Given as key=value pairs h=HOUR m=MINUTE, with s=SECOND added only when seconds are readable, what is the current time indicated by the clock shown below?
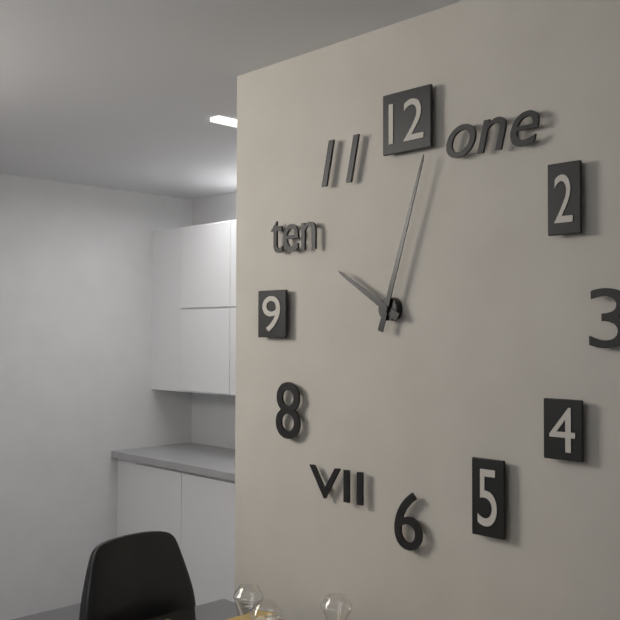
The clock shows h=10 m=3
